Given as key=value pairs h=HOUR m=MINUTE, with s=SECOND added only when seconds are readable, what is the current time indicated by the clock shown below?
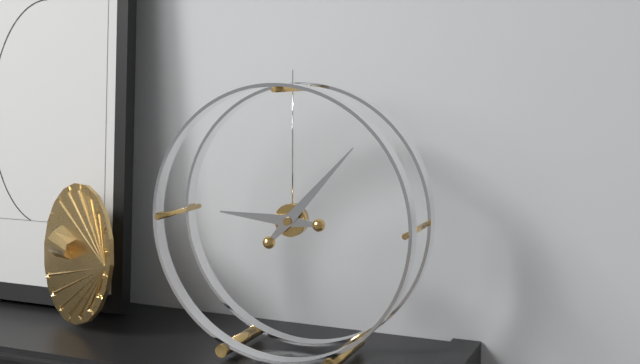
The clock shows h=9 m=7
